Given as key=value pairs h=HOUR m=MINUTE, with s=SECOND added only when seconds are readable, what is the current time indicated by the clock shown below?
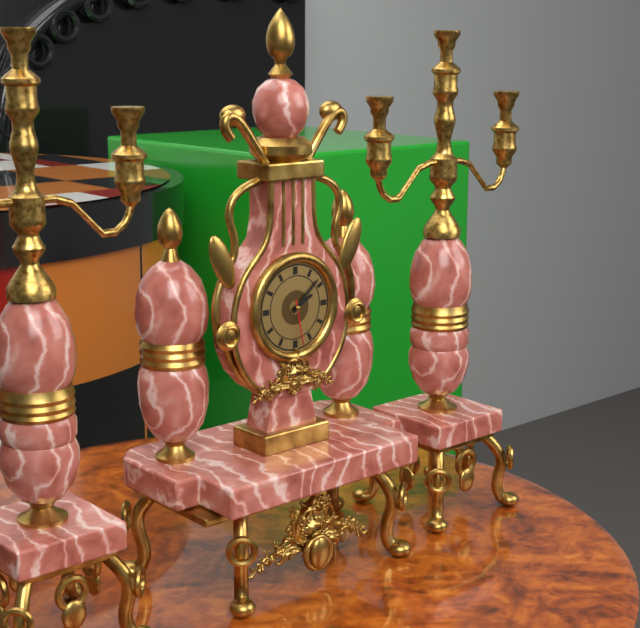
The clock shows h=2 m=8
